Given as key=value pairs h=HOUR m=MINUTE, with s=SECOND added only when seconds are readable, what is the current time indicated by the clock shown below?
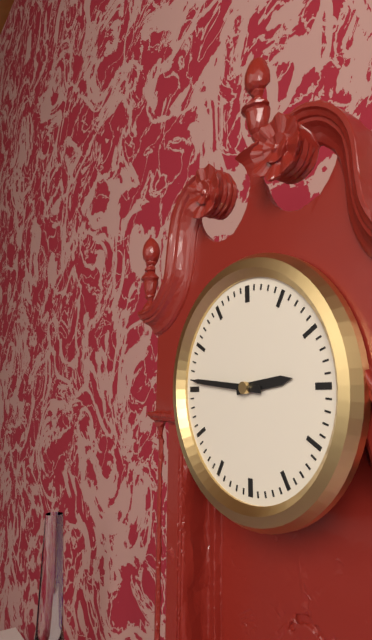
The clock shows h=2 m=46
